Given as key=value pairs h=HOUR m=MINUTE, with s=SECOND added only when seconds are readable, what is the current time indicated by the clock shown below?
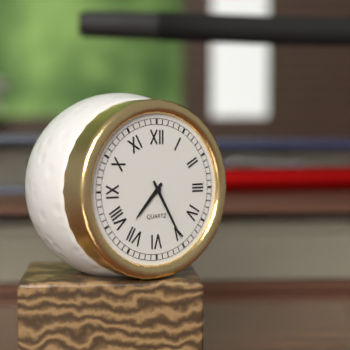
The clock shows h=7 m=25
